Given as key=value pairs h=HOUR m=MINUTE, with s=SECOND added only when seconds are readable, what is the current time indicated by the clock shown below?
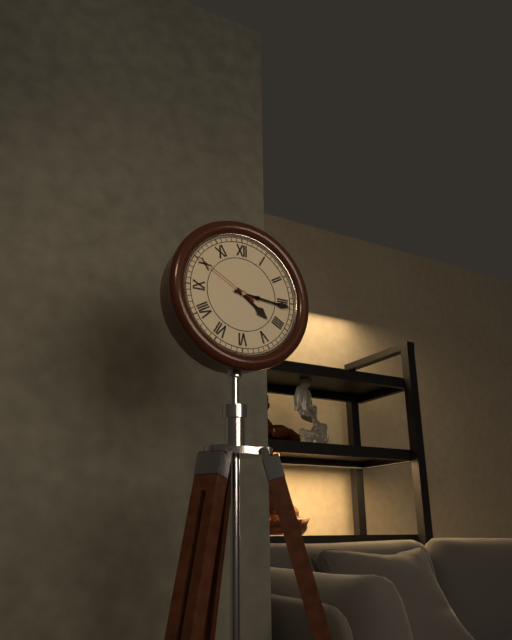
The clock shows h=4 m=16 s=50
